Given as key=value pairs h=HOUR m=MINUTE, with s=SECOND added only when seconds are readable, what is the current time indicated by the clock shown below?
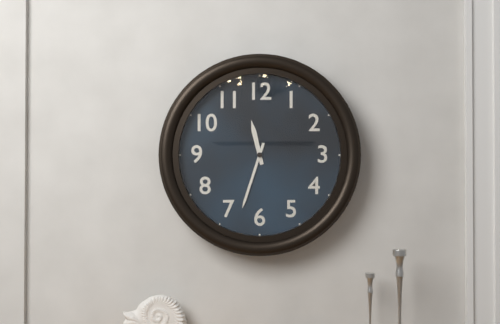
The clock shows h=11 m=33
